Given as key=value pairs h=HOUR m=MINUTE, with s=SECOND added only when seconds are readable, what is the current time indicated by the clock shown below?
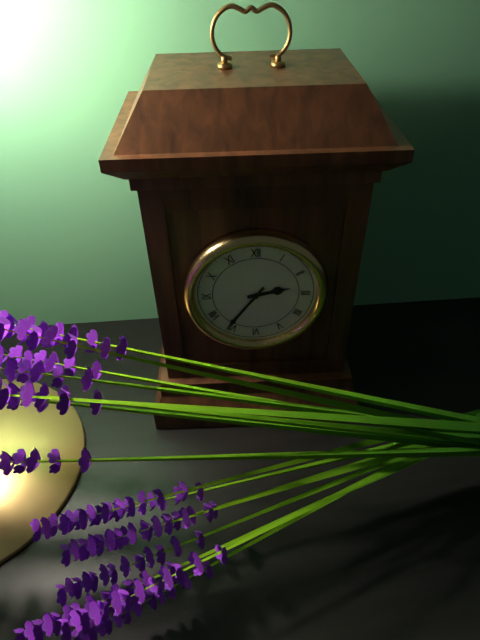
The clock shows h=2 m=36
